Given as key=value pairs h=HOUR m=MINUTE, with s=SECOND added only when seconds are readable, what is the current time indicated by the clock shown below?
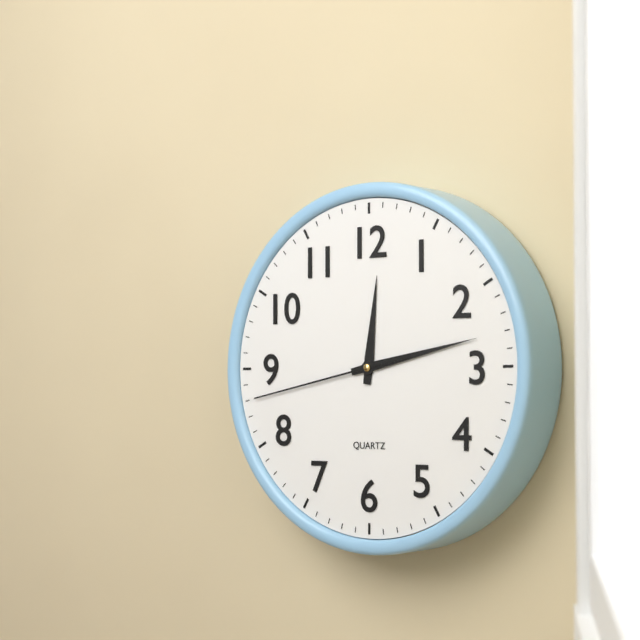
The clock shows h=12 m=13 s=43
